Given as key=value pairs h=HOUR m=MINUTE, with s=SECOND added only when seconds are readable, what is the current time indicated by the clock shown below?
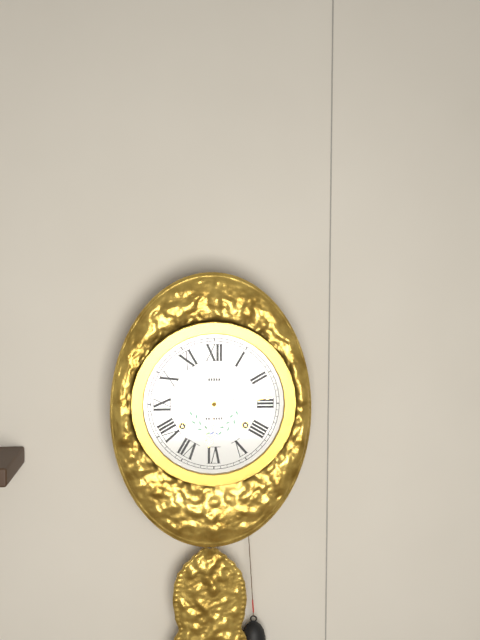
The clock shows h=6 m=14
